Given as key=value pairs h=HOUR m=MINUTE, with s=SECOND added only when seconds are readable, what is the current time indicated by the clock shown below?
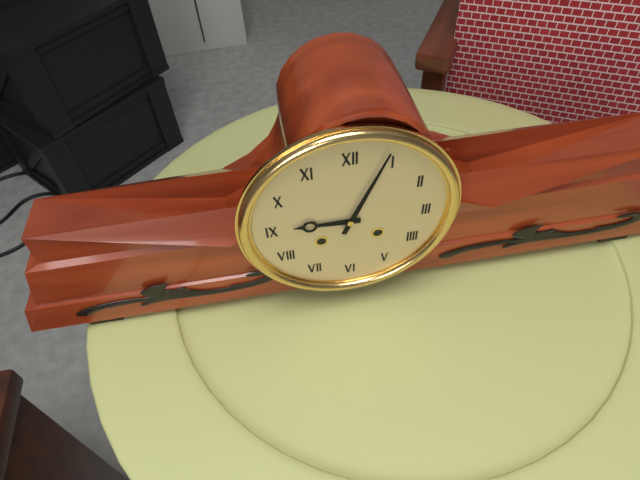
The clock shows h=9 m=4
